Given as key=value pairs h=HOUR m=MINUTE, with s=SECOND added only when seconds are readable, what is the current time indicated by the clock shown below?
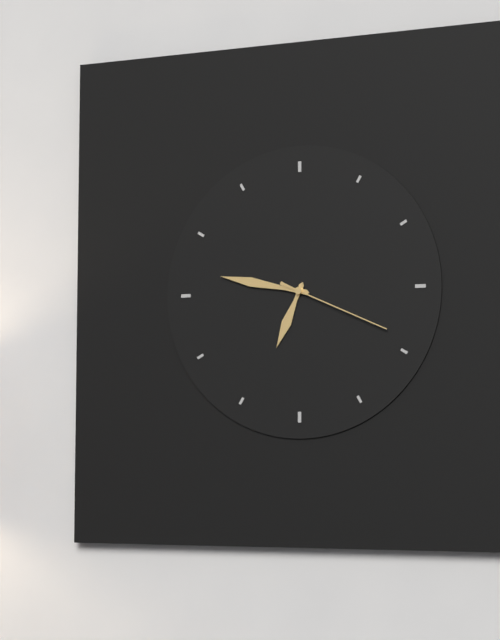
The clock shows h=6 m=47 s=19
